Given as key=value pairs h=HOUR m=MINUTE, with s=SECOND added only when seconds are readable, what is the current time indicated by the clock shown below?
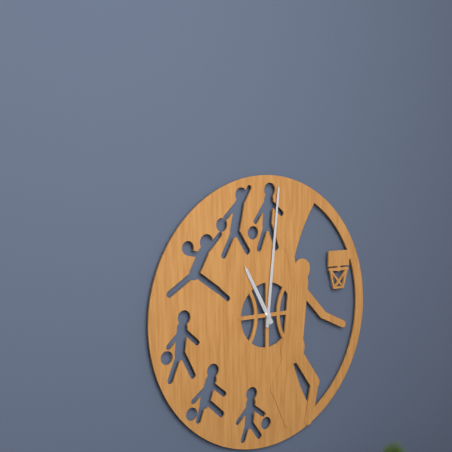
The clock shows h=11 m=1
